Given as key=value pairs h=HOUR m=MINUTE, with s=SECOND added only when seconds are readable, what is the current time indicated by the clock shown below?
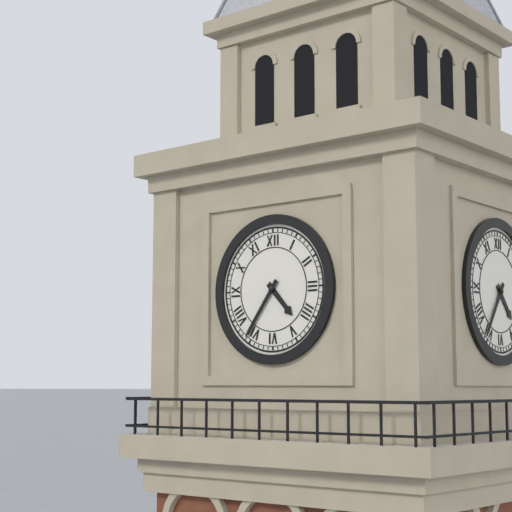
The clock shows h=4 m=36
